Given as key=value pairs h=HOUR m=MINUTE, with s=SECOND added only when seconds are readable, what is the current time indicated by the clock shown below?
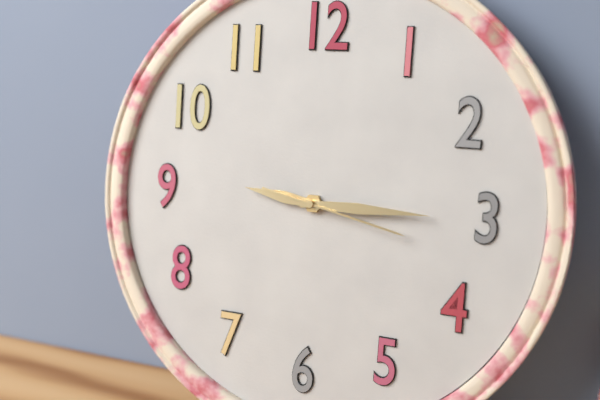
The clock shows h=9 m=15 s=17
